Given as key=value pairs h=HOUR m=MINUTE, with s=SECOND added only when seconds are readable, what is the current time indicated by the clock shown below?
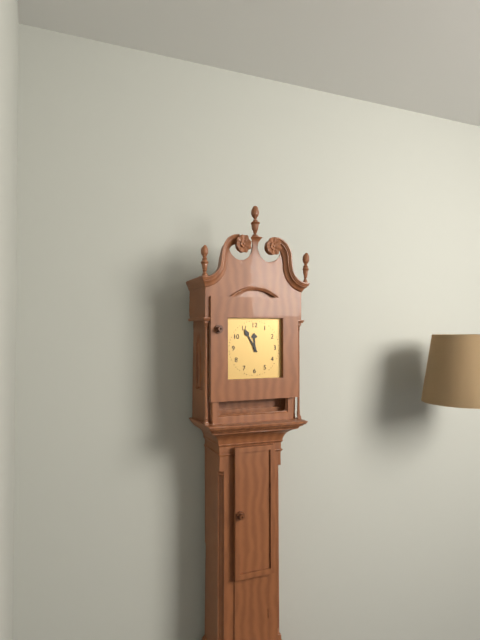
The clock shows h=11 m=55
